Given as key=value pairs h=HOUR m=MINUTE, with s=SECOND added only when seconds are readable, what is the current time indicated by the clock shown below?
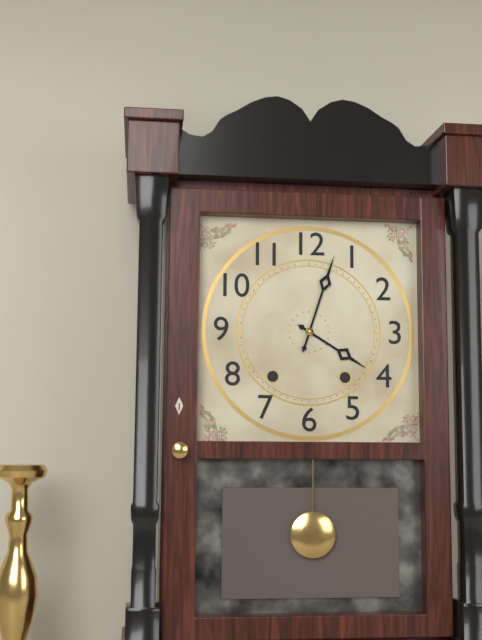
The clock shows h=4 m=3
